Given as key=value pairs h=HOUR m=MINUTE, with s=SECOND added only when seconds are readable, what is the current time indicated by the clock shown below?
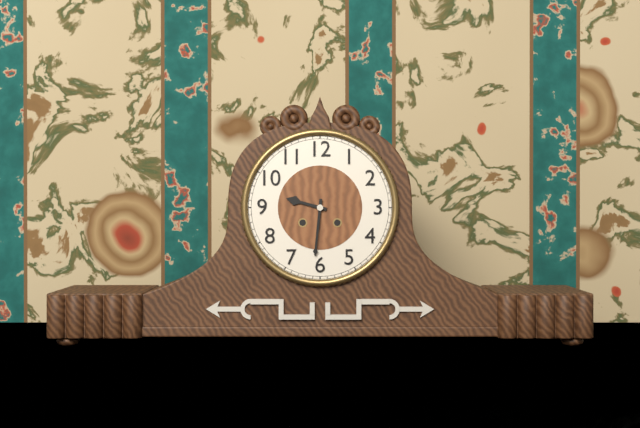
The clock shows h=9 m=31
